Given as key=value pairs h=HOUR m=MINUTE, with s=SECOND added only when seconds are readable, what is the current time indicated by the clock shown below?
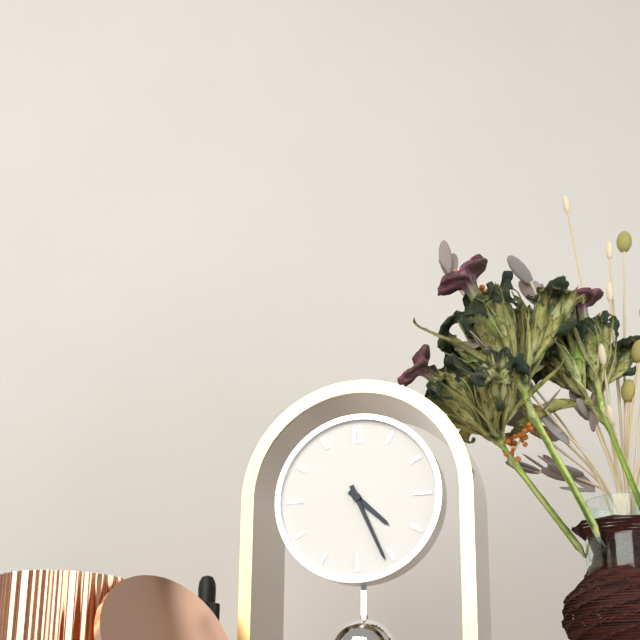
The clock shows h=4 m=26
